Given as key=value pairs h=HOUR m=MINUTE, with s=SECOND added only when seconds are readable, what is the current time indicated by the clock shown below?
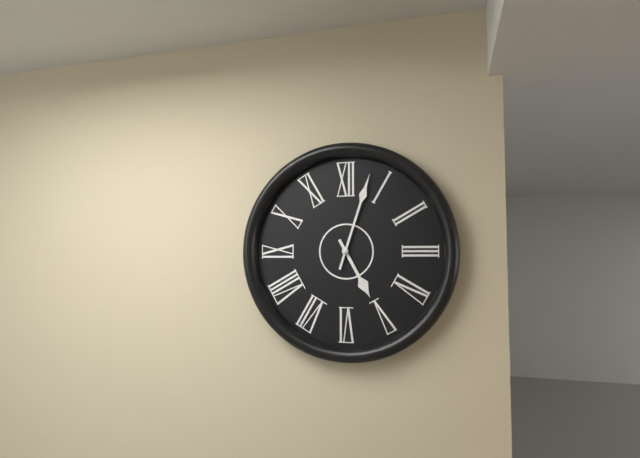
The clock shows h=5 m=3
